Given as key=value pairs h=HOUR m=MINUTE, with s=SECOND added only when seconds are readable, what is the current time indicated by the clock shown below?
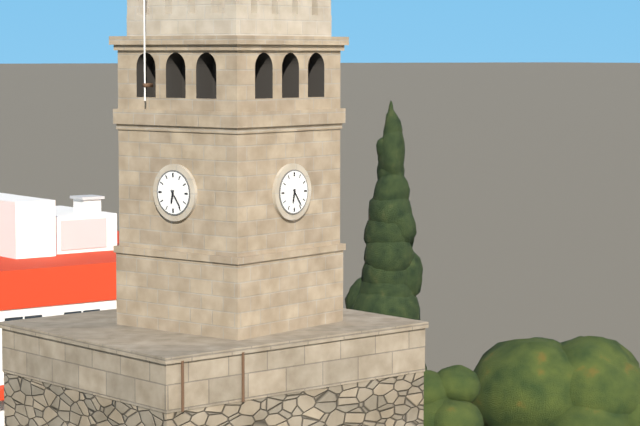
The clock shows h=6 m=24
